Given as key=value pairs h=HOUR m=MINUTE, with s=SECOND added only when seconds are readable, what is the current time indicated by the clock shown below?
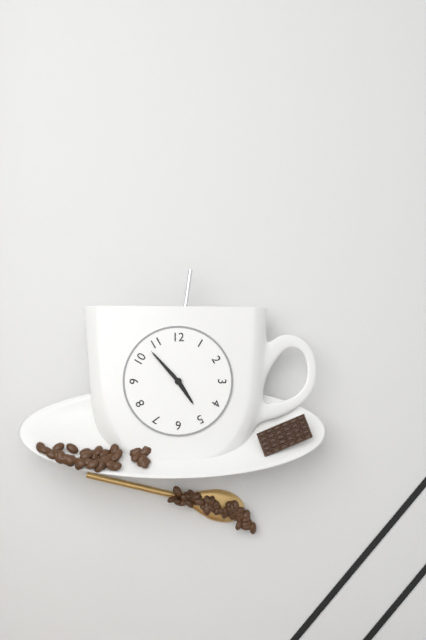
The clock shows h=4 m=53
